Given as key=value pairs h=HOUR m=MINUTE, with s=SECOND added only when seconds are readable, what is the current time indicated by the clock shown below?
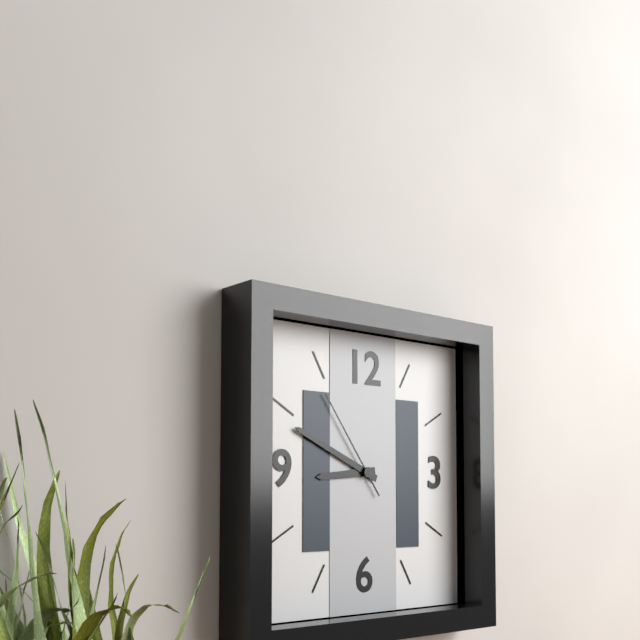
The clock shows h=8 m=49 s=54
